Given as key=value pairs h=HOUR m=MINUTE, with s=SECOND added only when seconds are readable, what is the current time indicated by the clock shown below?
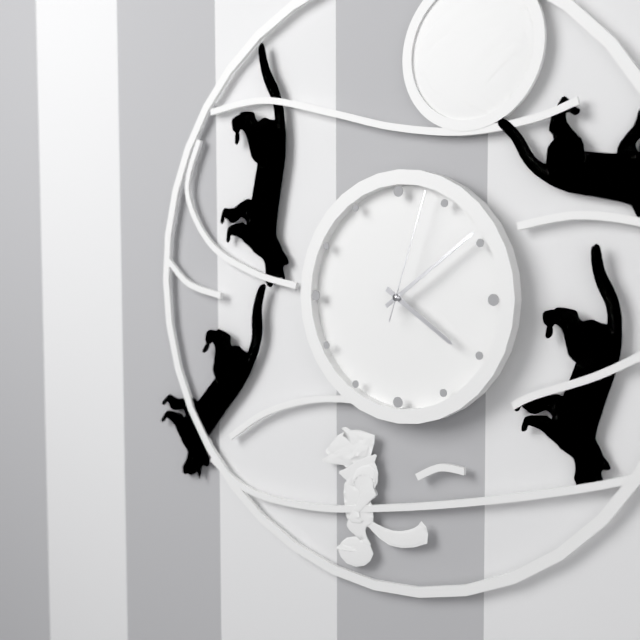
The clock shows h=4 m=9 s=3
